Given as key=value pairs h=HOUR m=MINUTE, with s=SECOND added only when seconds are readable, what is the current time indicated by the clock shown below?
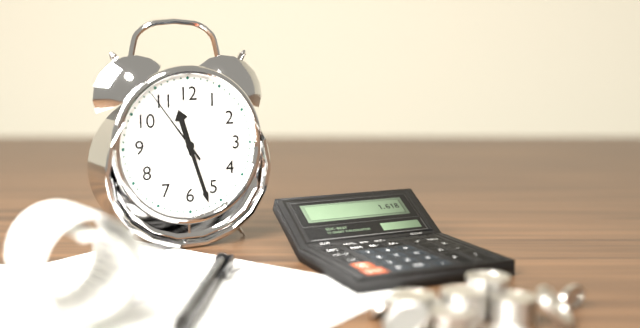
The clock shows h=11 m=27 s=54
